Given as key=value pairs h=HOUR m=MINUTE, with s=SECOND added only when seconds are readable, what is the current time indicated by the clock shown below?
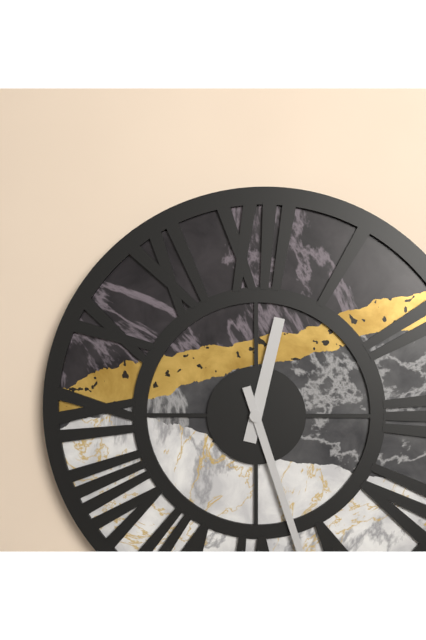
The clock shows h=12 m=27
